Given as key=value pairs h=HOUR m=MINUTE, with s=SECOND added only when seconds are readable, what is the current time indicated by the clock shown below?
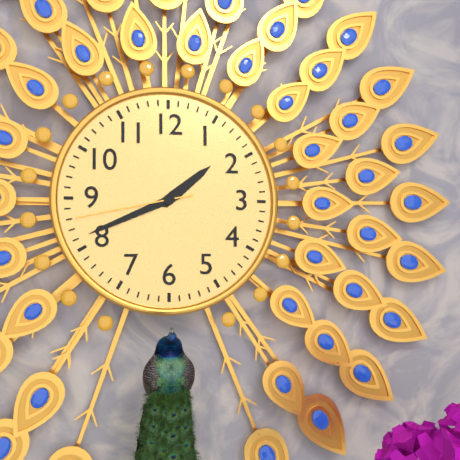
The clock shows h=1 m=41 s=43
